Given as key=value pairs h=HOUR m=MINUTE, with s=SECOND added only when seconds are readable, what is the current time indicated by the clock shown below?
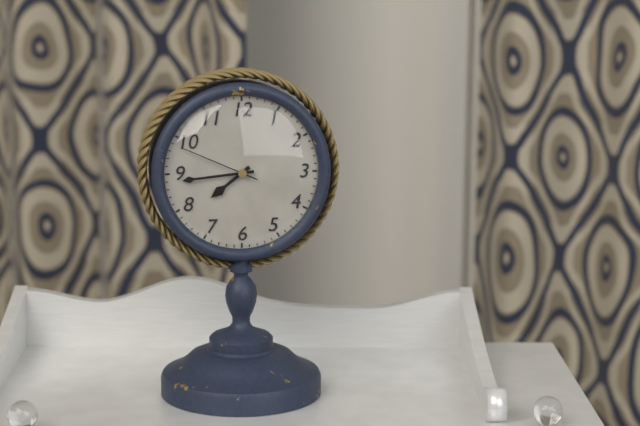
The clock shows h=7 m=44 s=49
